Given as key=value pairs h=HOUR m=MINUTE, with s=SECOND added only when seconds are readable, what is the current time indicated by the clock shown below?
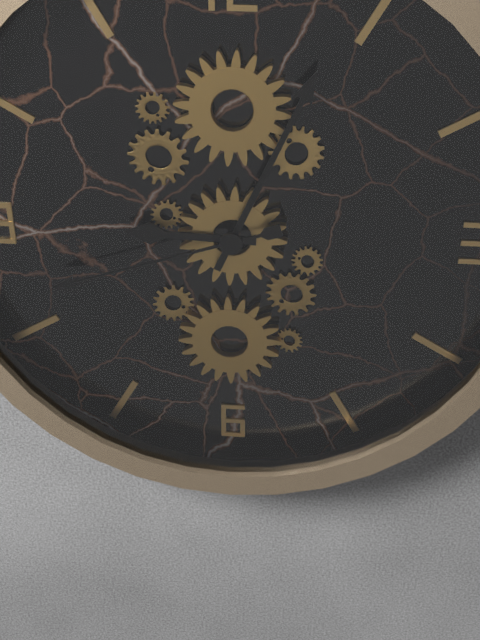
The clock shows h=9 m=4 s=42
